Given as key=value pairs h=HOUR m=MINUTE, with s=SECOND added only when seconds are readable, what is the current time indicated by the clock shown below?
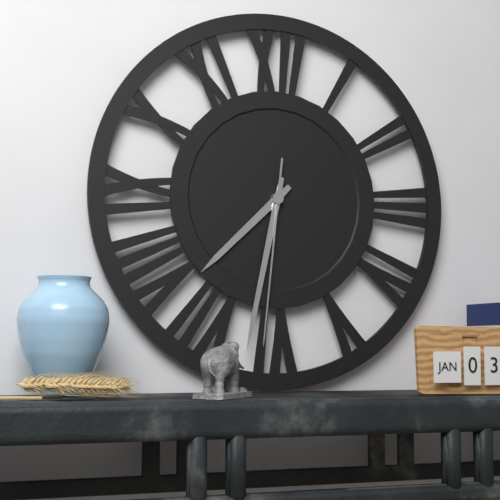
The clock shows h=7 m=32 s=31
